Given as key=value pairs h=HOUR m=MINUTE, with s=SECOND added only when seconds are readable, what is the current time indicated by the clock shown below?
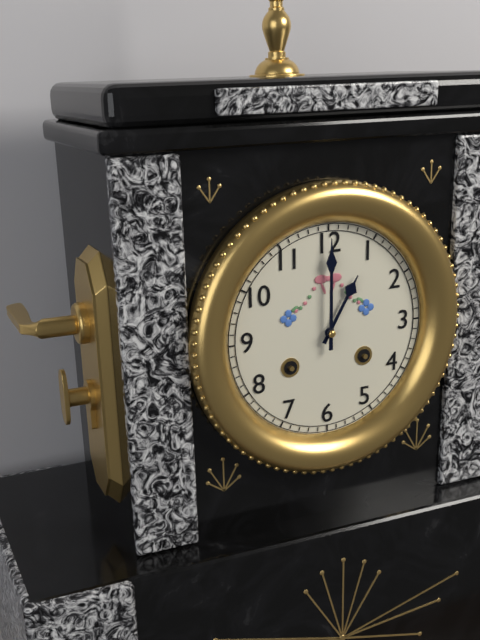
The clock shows h=1 m=0
